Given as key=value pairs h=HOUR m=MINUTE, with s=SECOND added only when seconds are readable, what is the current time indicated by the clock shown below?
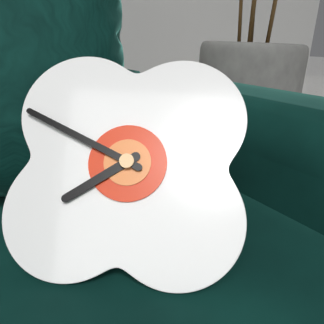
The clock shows h=7 m=49
